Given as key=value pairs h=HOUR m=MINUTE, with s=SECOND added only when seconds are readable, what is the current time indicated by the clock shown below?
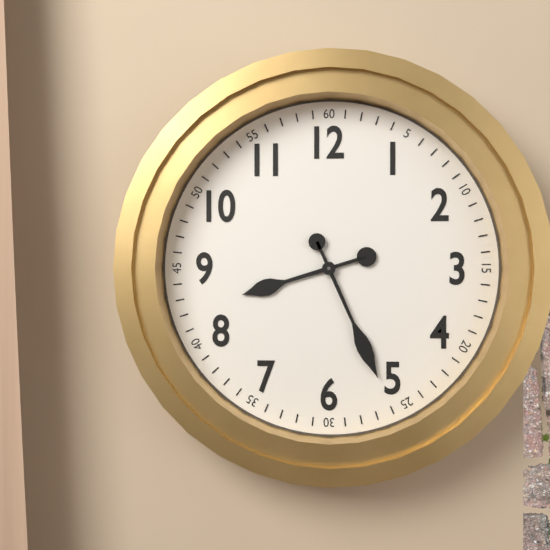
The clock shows h=8 m=26
